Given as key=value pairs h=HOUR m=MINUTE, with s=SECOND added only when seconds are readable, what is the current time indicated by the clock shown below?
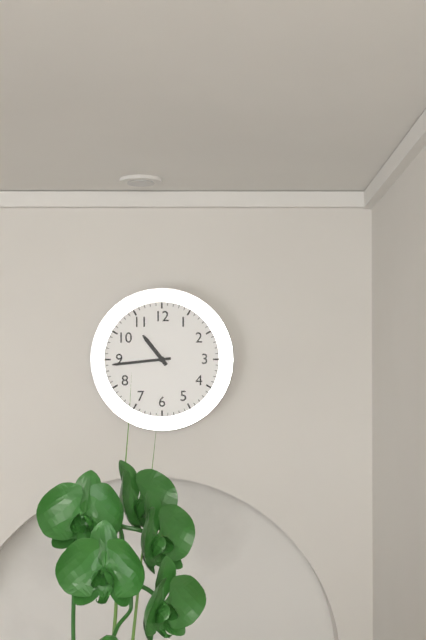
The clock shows h=10 m=44
